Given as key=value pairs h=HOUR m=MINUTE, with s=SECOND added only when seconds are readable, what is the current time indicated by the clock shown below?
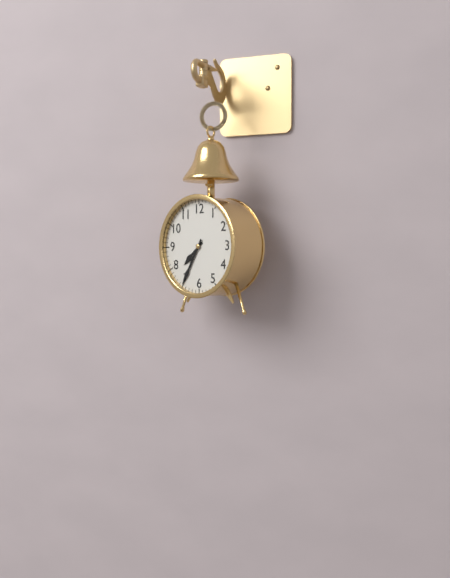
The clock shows h=7 m=35
